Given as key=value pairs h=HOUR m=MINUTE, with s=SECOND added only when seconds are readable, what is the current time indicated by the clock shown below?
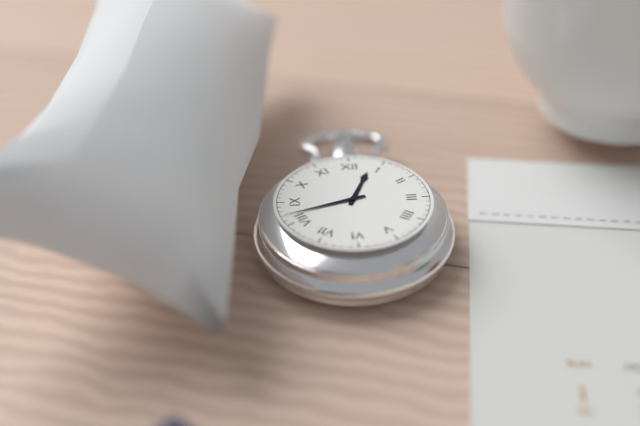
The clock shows h=12 m=42
